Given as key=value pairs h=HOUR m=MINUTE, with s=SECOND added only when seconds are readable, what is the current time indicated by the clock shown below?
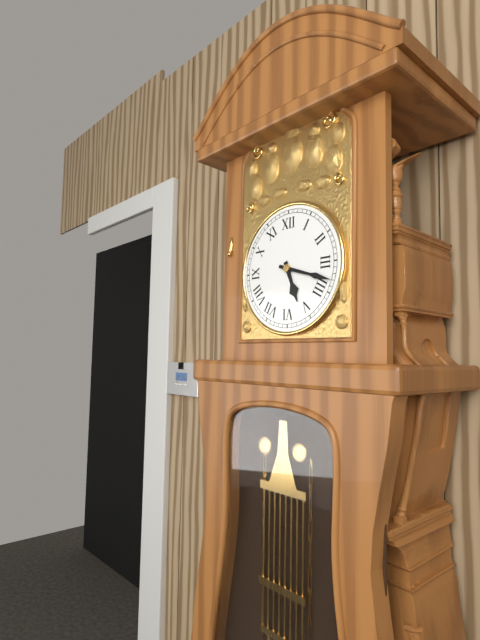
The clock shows h=5 m=18
